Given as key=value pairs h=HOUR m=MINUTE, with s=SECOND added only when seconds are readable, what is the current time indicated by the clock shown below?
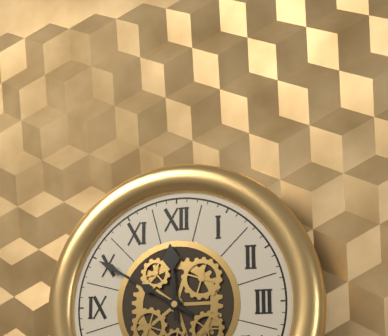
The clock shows h=11 m=50
